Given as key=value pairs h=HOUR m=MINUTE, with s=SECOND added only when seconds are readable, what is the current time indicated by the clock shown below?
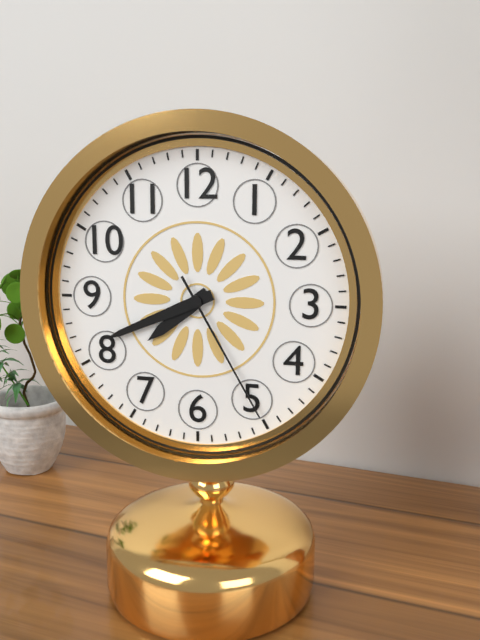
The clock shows h=7 m=41 s=25
